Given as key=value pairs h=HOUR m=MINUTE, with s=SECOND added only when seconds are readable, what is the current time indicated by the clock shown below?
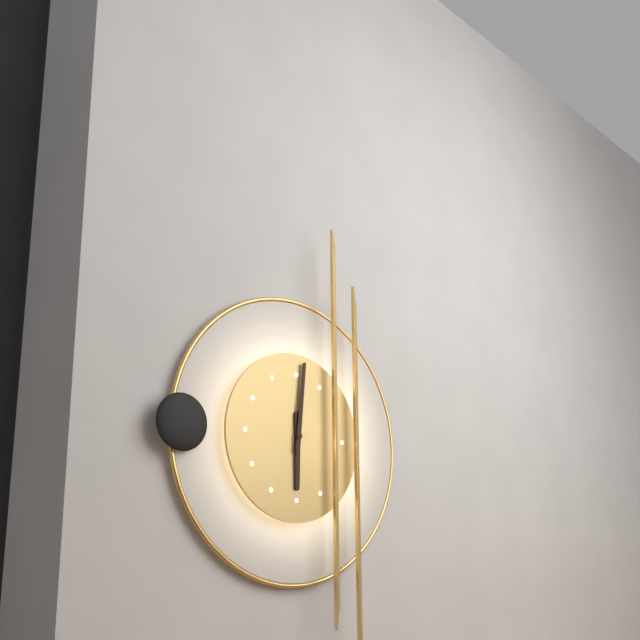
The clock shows h=6 m=1
